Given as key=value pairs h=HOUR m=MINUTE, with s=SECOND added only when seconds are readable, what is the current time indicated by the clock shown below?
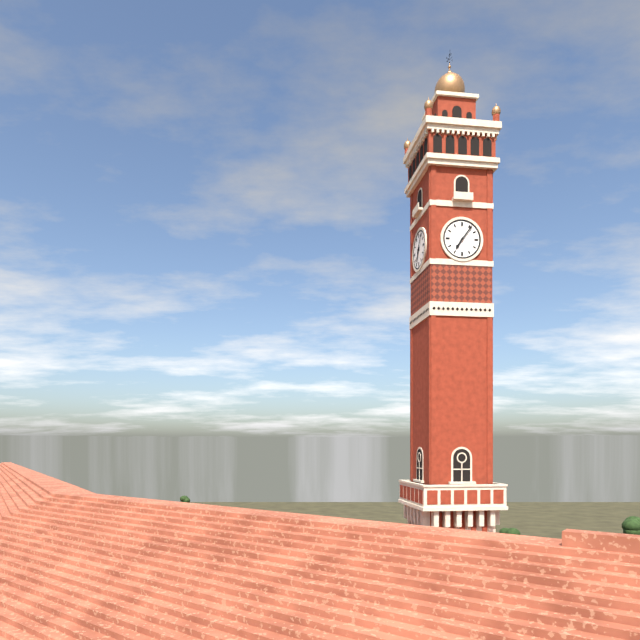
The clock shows h=7 m=6
